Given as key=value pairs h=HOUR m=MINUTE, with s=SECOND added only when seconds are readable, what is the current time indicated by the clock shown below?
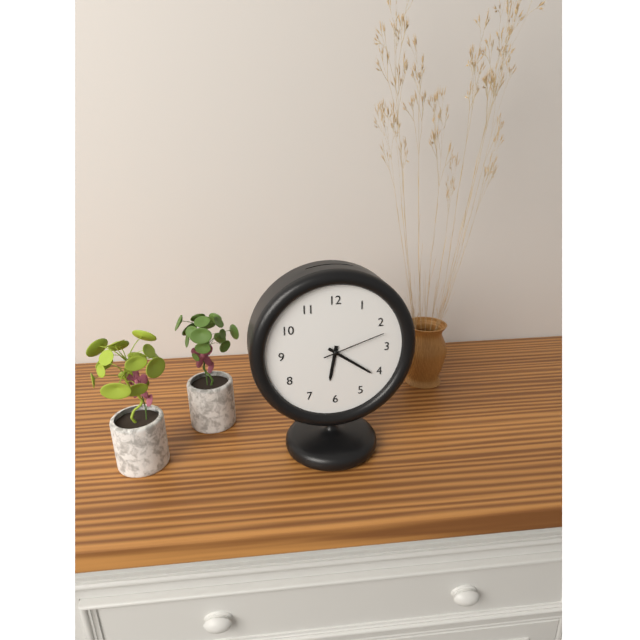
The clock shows h=6 m=21 s=12
